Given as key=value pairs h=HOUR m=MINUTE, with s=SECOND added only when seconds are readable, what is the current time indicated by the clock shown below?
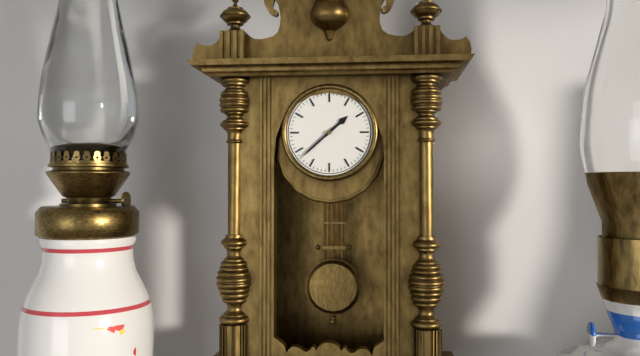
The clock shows h=1 m=38
